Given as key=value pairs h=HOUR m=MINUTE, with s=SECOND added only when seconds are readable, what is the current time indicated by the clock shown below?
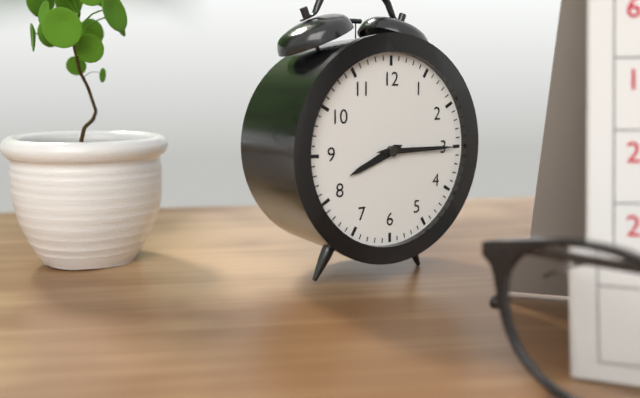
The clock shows h=8 m=15
